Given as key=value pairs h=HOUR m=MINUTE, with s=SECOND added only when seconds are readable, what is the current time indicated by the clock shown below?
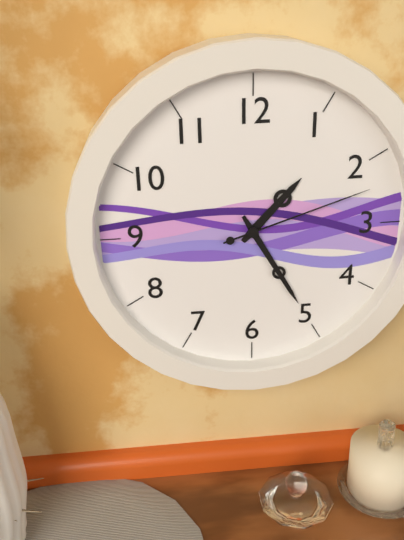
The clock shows h=1 m=25 s=12
